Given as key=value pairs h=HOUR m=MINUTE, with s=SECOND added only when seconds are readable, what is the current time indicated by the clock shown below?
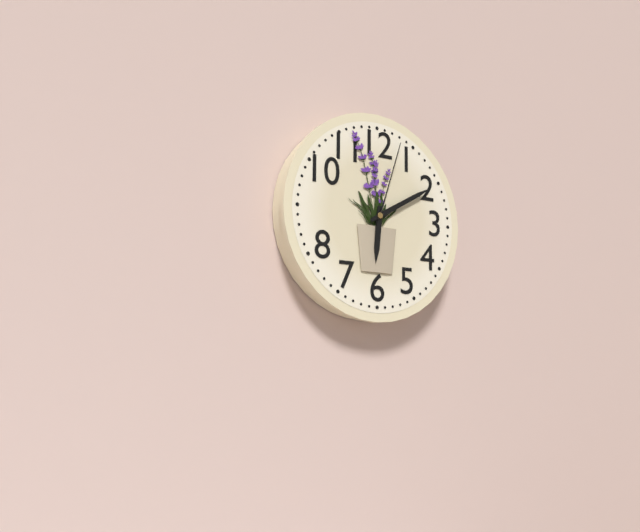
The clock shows h=6 m=10 s=3
